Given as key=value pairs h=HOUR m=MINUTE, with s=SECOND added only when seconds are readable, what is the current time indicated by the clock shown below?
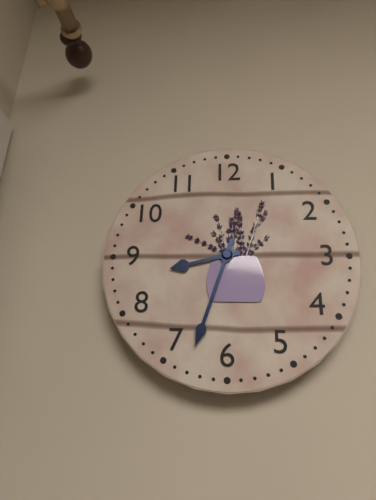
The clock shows h=8 m=33
